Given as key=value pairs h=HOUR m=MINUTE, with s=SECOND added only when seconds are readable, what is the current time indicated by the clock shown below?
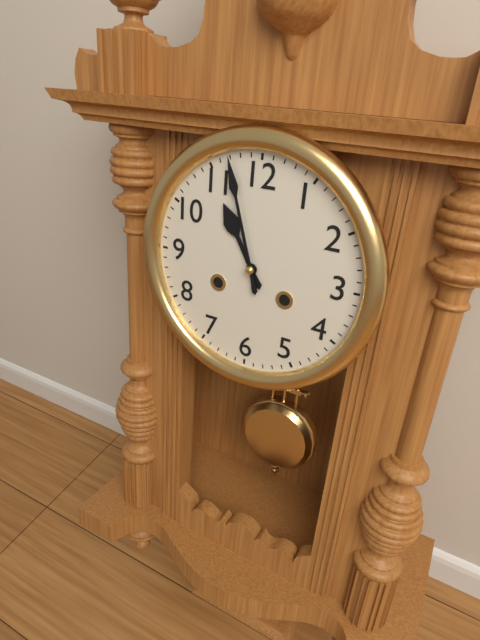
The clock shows h=10 m=57
